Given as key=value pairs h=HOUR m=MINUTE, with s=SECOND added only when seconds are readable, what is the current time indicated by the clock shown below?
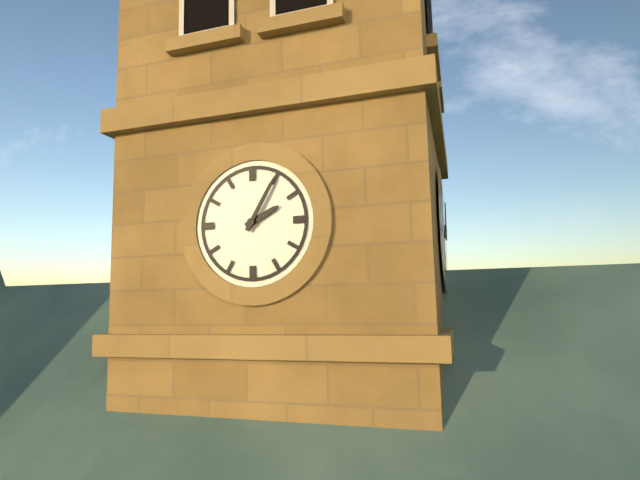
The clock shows h=2 m=5
